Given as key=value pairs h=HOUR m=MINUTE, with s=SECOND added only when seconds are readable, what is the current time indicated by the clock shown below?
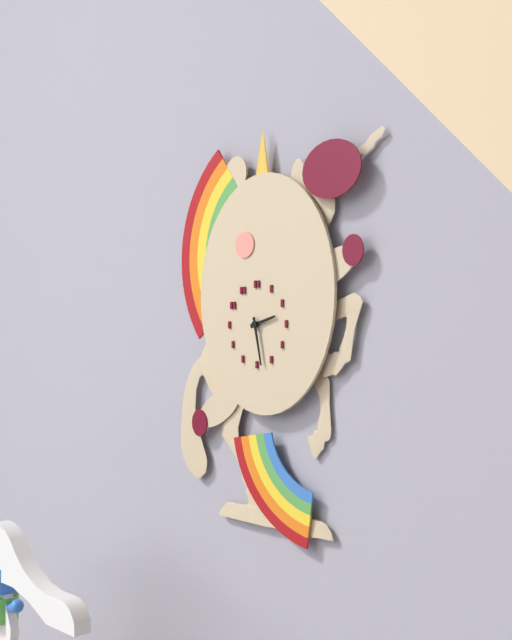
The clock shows h=2 m=28
